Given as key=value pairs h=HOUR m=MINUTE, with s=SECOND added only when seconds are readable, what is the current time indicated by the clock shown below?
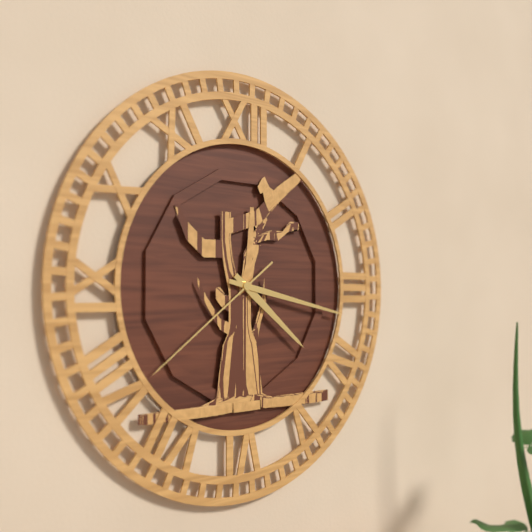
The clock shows h=4 m=17 s=39
